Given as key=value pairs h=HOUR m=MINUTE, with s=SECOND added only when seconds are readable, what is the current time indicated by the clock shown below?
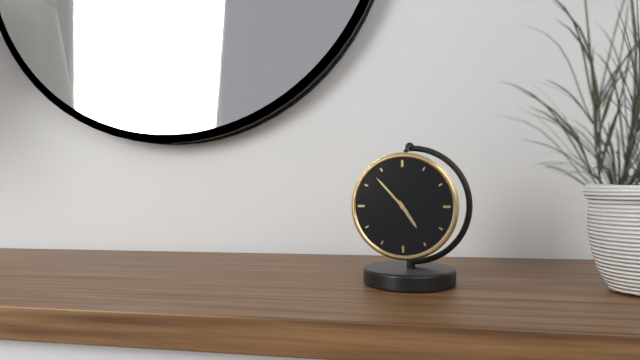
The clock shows h=4 m=53
